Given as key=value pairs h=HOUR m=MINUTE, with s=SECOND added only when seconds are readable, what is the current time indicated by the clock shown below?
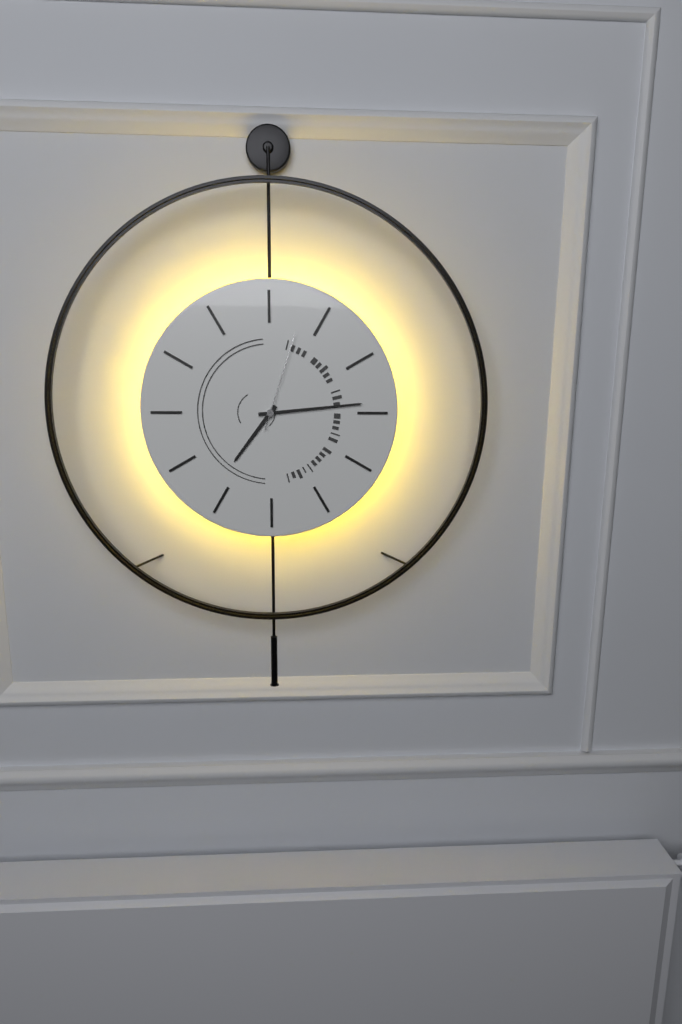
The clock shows h=7 m=14 s=3
